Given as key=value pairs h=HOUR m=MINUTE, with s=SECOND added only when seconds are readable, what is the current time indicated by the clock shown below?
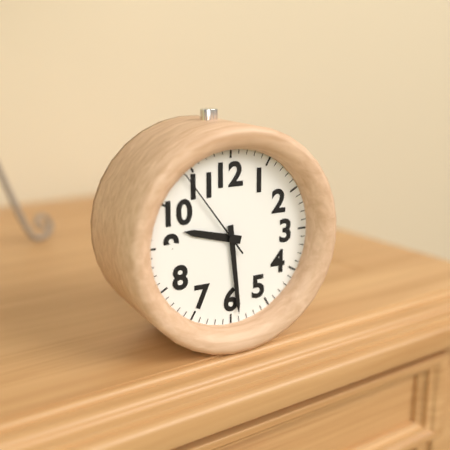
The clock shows h=9 m=29 s=54
